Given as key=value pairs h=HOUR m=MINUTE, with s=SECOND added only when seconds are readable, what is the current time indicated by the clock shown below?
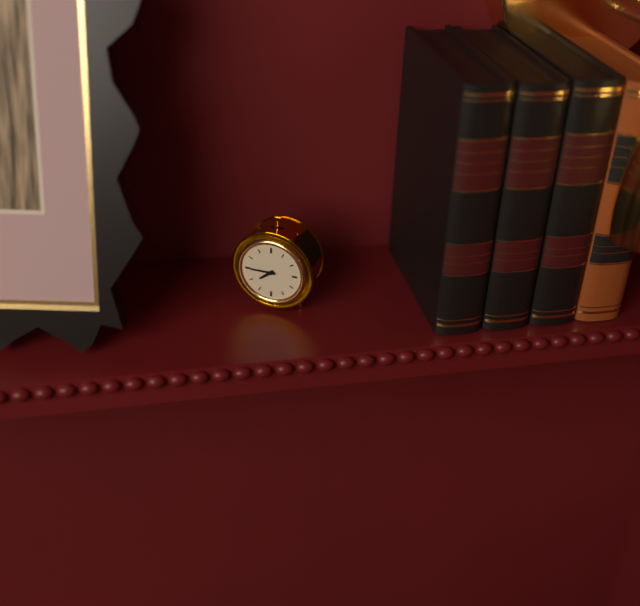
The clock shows h=7 m=45
